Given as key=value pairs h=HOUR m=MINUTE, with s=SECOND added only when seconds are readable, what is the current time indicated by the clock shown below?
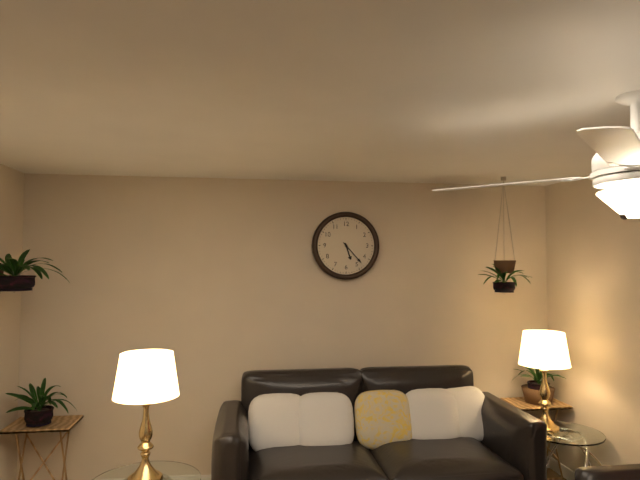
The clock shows h=5 m=23
